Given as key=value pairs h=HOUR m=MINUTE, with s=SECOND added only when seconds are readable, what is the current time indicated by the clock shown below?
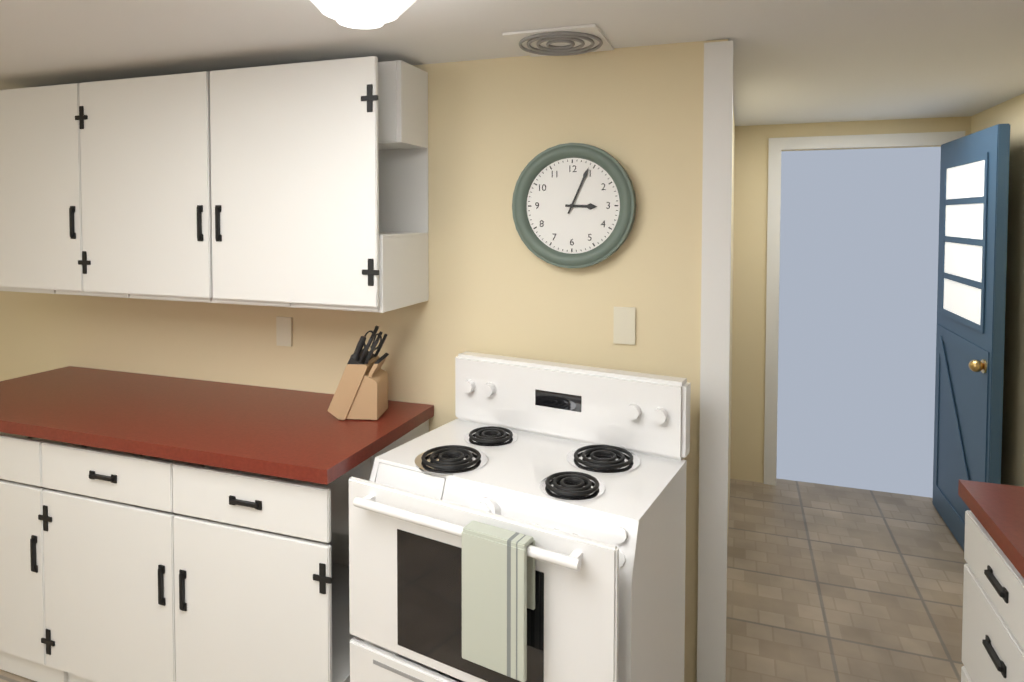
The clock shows h=3 m=4
